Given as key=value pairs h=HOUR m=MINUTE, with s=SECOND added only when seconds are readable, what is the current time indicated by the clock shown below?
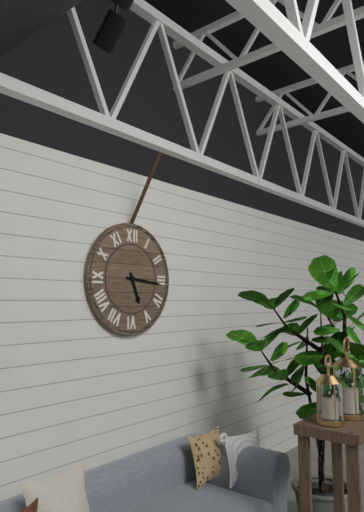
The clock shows h=5 m=16
